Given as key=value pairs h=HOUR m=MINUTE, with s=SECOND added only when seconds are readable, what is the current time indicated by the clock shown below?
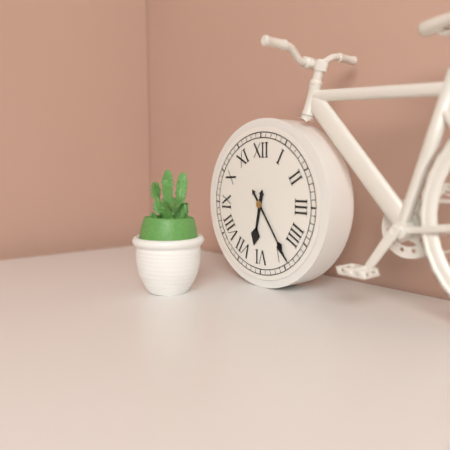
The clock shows h=6 m=24
